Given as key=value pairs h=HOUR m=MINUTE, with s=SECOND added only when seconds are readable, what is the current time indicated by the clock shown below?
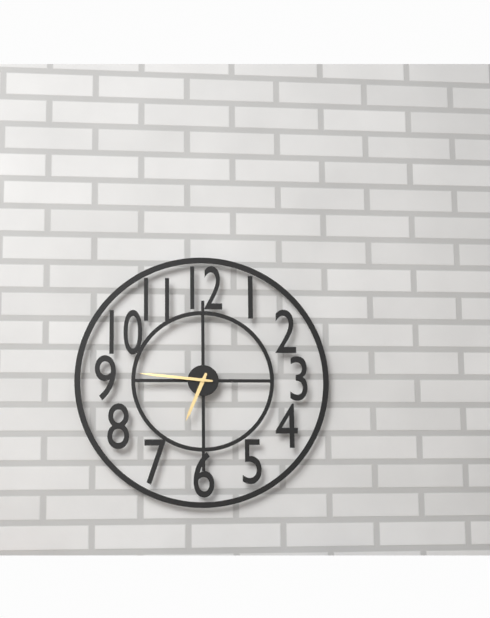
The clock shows h=6 m=46
